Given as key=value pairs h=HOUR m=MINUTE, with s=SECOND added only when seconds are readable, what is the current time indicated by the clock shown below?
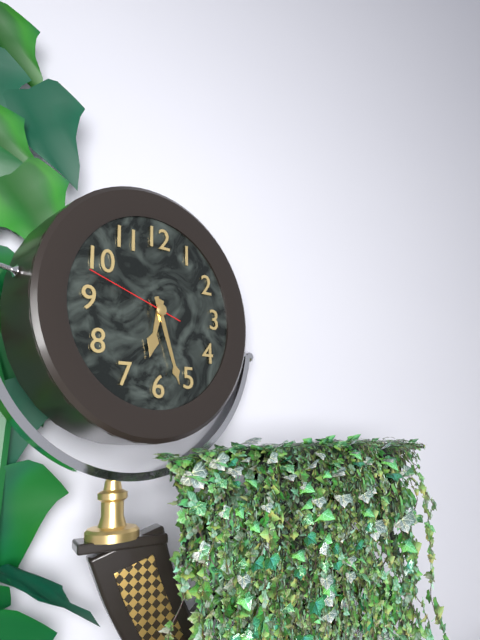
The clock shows h=6 m=27 s=48
